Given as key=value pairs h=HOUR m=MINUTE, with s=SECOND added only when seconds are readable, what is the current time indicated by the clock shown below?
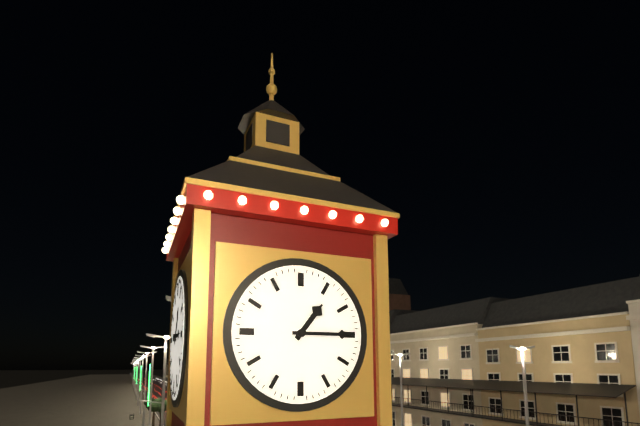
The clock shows h=1 m=15
